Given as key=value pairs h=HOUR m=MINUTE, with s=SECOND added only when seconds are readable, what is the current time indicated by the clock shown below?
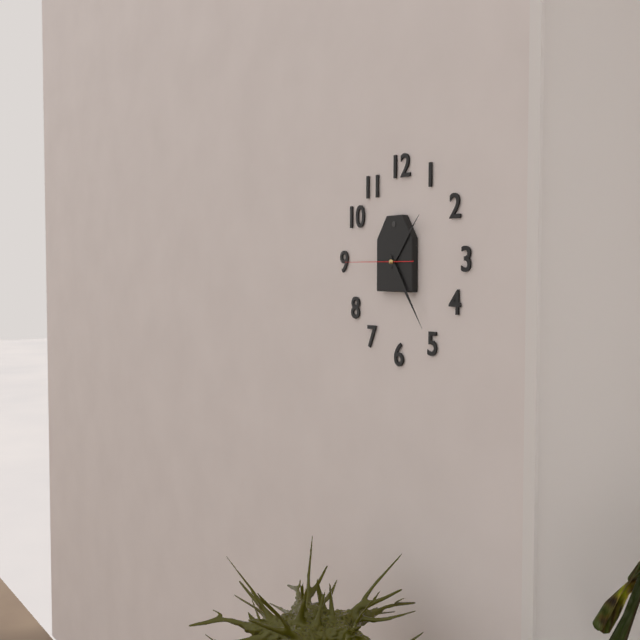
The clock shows h=1 m=24 s=45
